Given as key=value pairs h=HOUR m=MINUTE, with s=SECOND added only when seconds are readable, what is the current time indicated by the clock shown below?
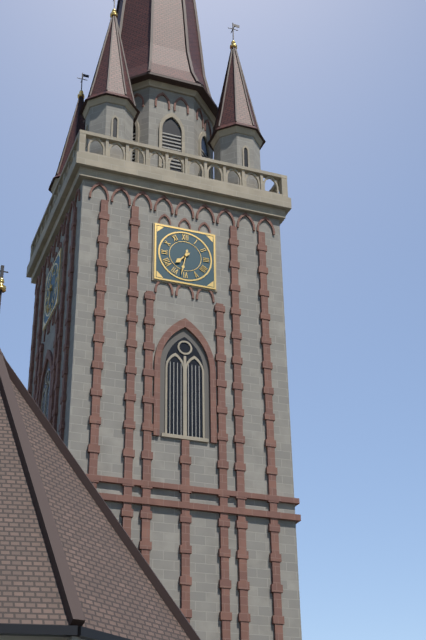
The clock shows h=7 m=32
